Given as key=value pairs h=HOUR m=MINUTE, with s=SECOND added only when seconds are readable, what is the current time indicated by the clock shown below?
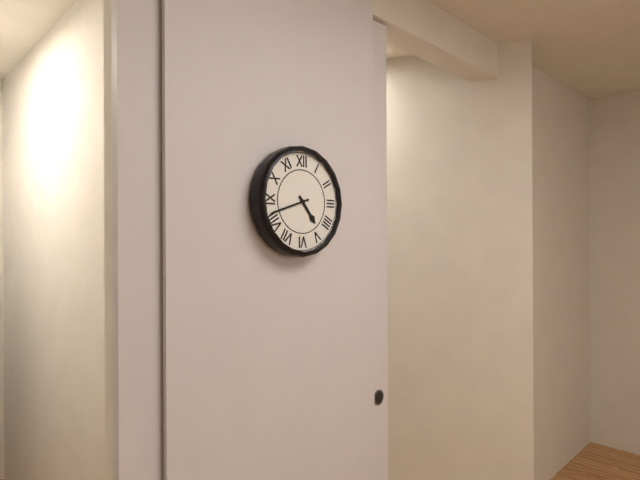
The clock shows h=4 m=42
